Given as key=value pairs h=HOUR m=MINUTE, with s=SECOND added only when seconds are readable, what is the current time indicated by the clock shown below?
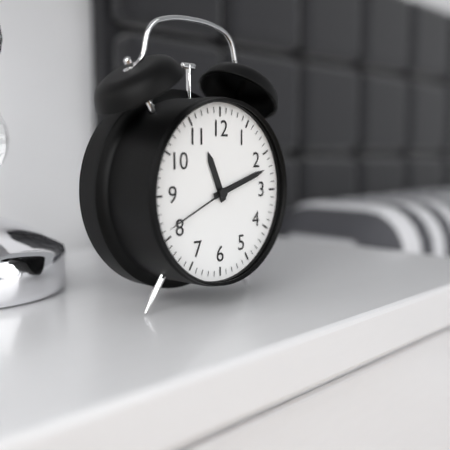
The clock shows h=11 m=12 s=41
